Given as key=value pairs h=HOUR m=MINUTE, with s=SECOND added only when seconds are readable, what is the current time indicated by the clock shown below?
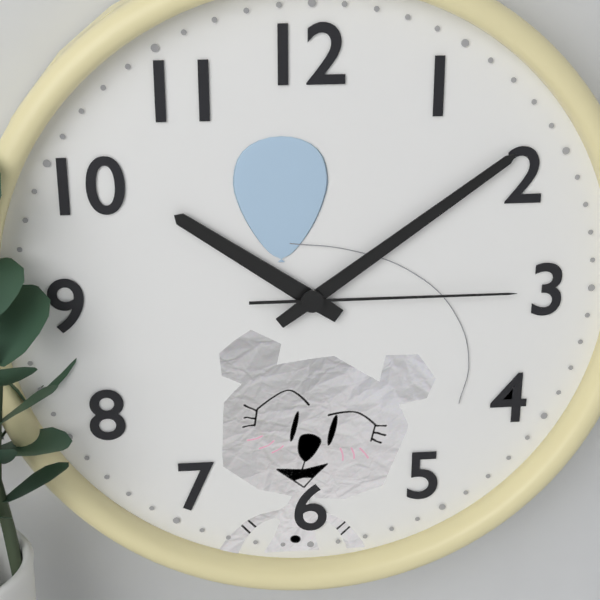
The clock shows h=10 m=9 s=15
